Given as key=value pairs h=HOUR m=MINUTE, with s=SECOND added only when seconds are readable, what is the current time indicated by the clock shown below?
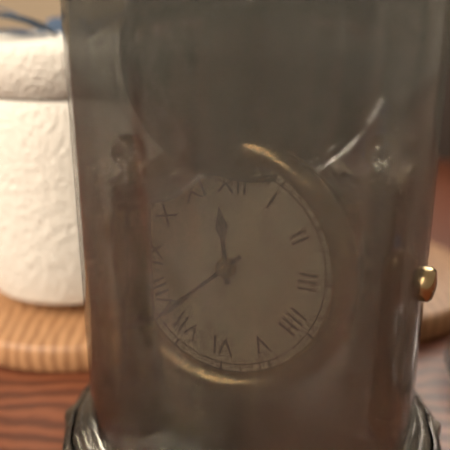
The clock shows h=11 m=38
